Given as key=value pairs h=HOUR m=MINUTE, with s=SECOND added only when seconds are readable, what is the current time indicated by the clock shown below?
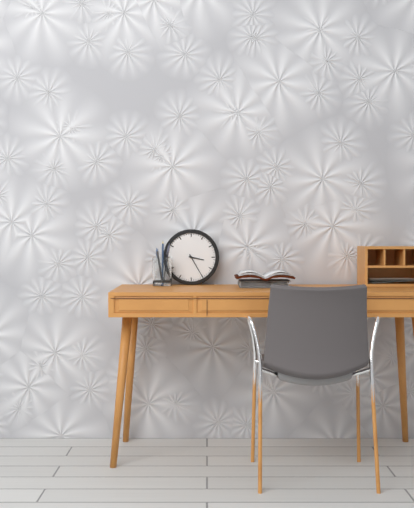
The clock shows h=3 m=25
